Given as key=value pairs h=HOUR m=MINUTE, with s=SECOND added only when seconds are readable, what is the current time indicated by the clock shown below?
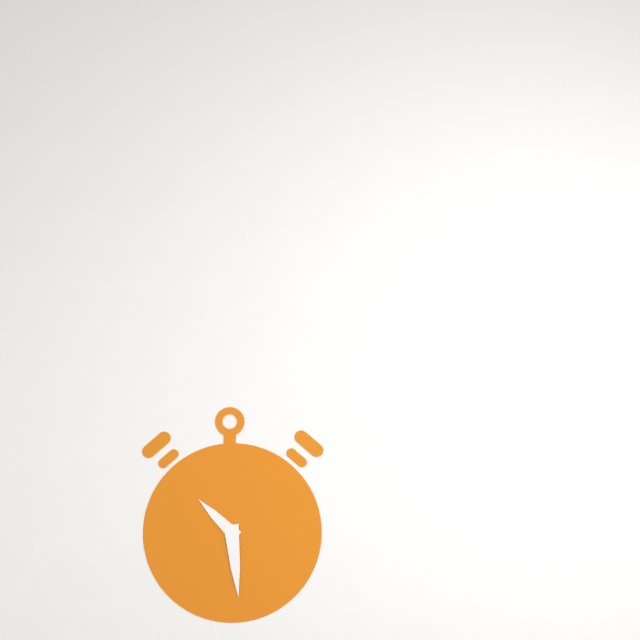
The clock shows h=10 m=29
